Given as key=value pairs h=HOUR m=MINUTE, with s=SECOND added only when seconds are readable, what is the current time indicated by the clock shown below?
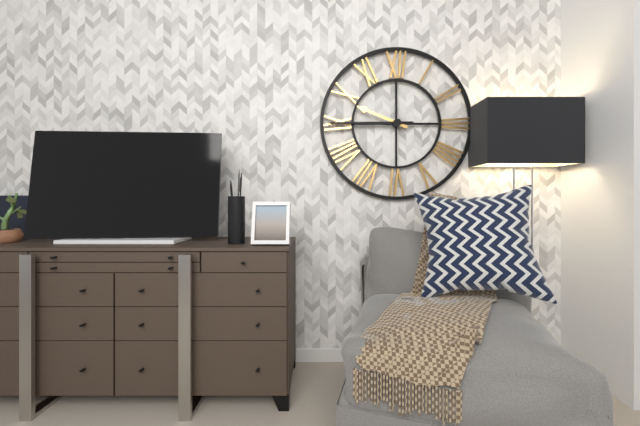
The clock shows h=9 m=45
